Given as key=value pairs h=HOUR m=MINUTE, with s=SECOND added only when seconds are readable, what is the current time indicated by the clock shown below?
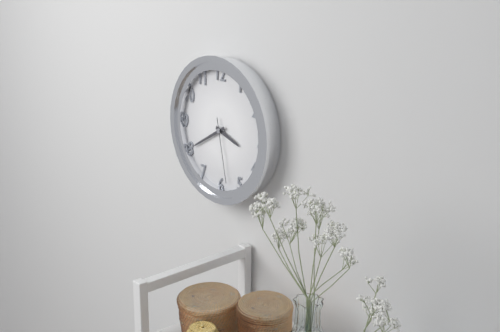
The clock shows h=3 m=40 s=28
